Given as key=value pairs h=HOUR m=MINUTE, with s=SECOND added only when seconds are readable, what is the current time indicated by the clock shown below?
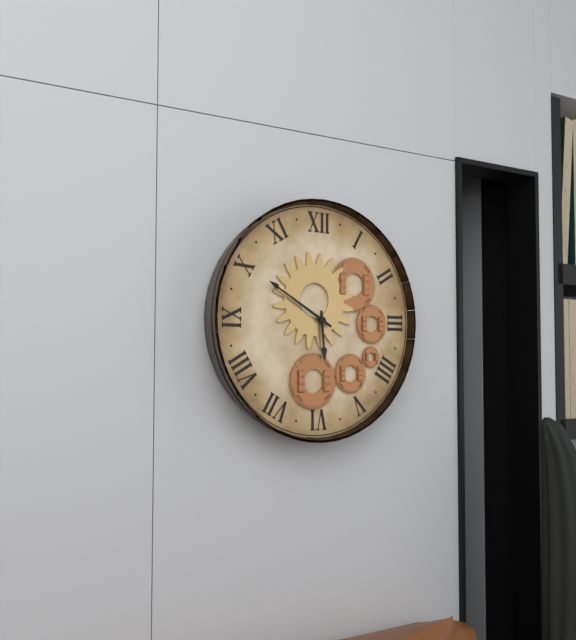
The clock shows h=5 m=50
